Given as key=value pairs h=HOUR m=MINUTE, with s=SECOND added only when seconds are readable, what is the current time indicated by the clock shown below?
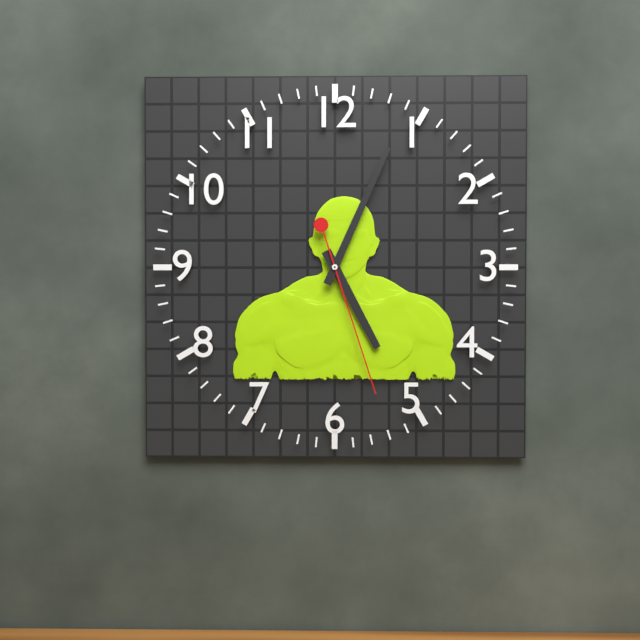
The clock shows h=5 m=4 s=27
